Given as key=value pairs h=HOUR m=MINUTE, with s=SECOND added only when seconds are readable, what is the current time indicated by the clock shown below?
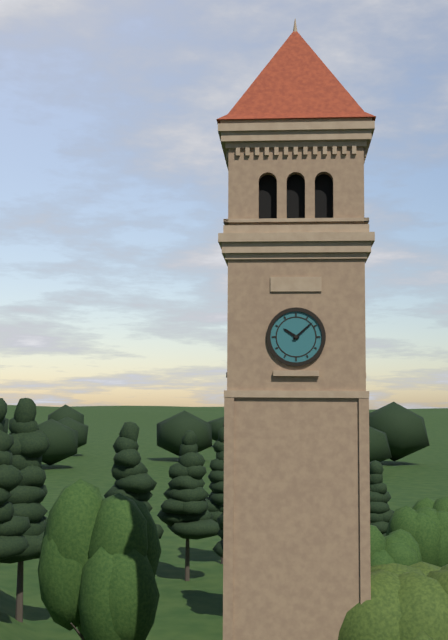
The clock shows h=10 m=8
